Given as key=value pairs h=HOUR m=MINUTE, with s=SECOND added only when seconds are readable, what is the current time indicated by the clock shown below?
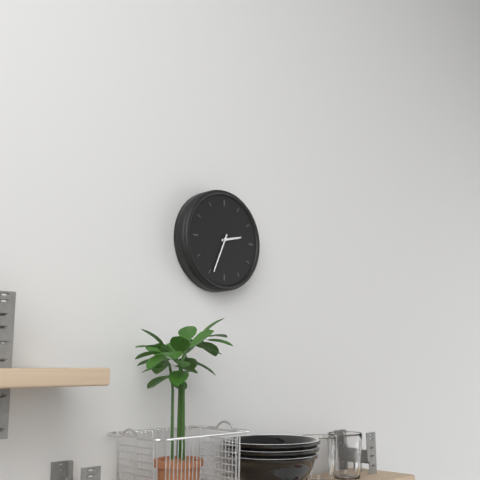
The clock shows h=2 m=34
